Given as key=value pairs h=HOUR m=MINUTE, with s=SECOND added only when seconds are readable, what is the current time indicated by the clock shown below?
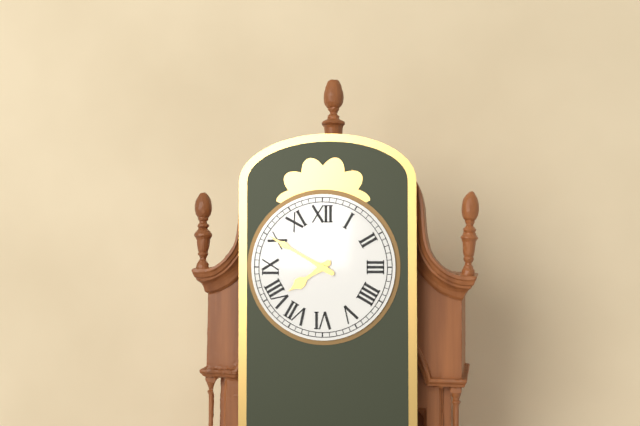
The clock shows h=7 m=50
